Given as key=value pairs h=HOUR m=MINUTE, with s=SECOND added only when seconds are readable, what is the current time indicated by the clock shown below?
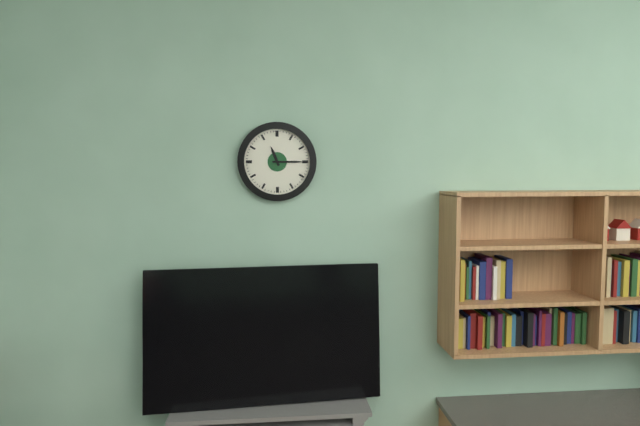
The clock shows h=11 m=15
